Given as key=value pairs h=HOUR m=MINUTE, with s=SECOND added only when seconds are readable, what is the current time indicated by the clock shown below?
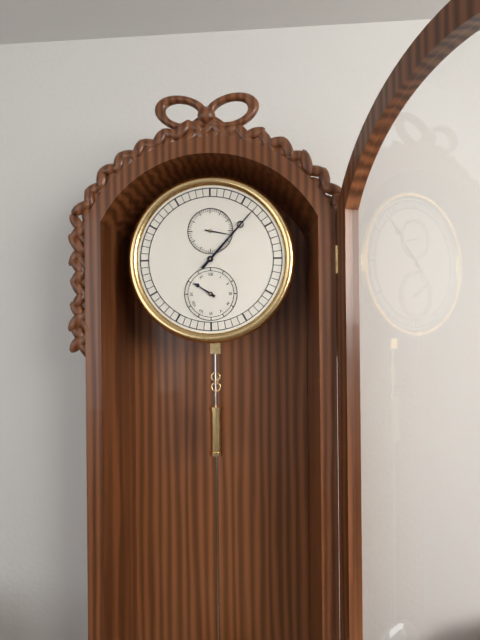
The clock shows h=10 m=7
